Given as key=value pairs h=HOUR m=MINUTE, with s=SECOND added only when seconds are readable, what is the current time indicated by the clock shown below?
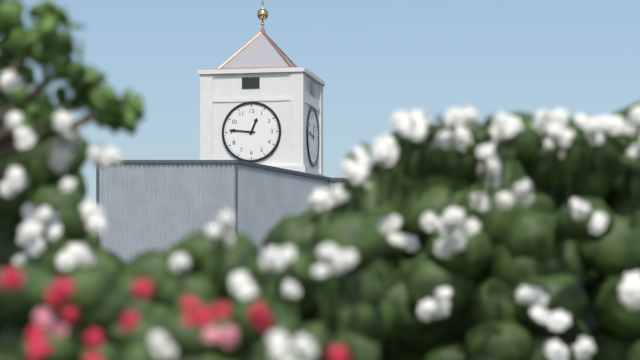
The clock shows h=12 m=46
